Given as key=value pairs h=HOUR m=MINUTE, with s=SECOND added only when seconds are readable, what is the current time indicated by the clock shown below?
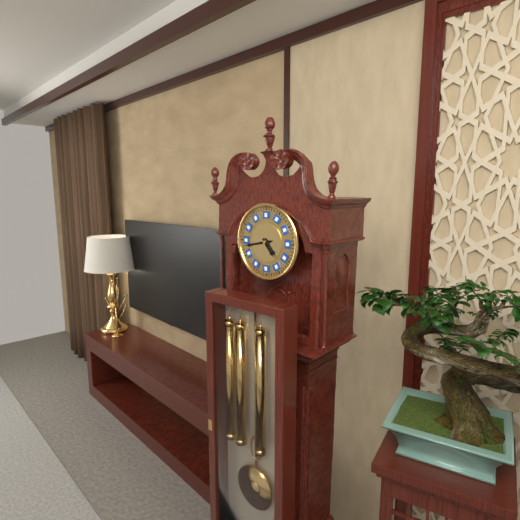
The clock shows h=4 m=43
